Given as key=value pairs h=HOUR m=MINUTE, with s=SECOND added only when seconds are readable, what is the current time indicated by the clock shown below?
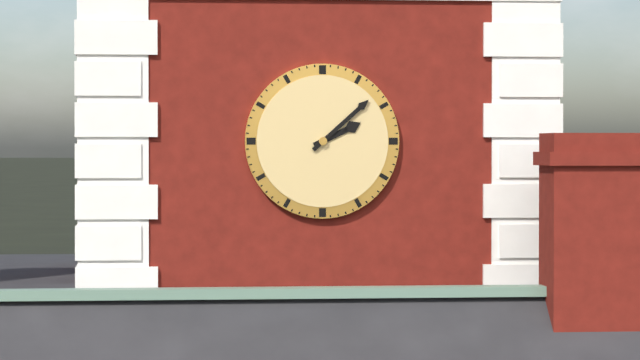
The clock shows h=2 m=8
